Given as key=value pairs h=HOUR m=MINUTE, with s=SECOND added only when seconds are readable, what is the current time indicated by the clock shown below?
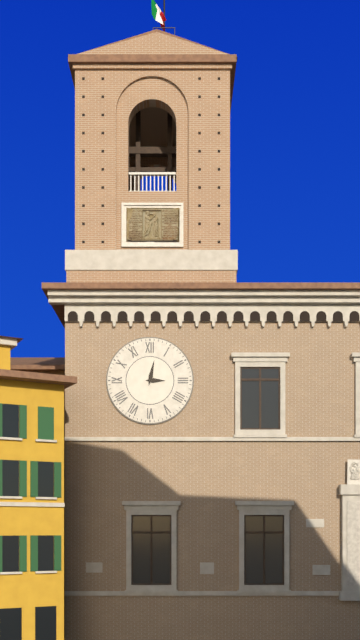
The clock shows h=3 m=2
